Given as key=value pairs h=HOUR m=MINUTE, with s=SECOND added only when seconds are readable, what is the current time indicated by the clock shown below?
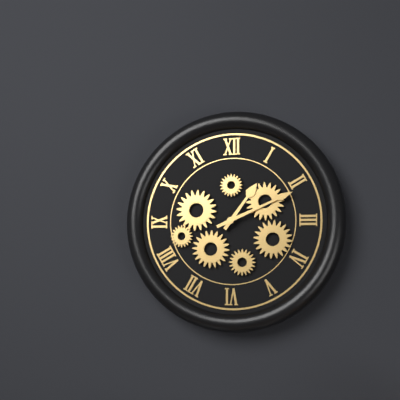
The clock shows h=1 m=11
